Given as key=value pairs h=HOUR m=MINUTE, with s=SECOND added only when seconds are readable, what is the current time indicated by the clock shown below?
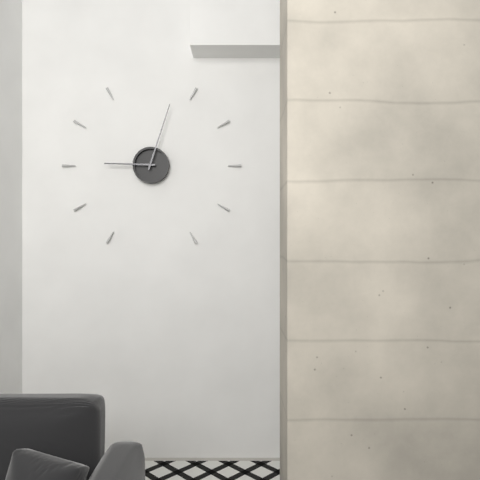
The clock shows h=9 m=3
